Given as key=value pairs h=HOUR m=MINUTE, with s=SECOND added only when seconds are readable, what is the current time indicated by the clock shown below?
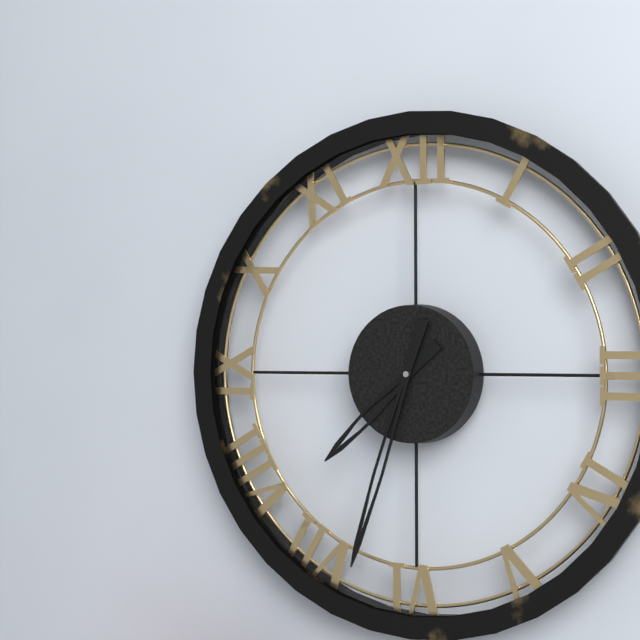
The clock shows h=7 m=33
